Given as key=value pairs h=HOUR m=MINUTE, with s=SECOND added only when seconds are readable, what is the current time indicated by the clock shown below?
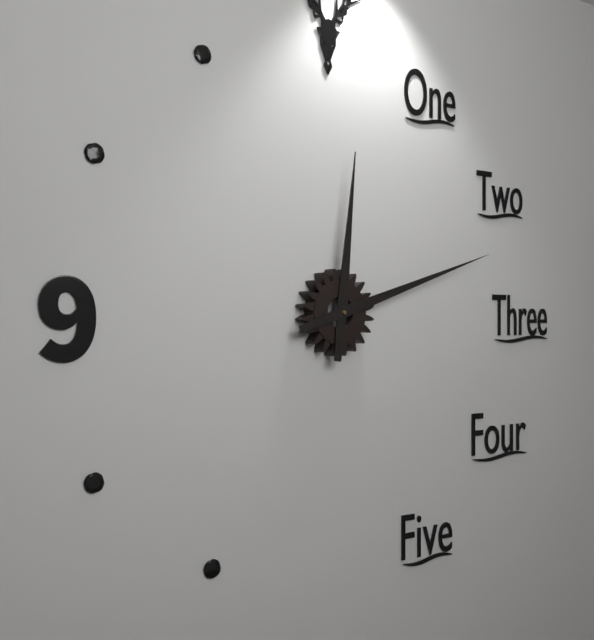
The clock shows h=12 m=12
